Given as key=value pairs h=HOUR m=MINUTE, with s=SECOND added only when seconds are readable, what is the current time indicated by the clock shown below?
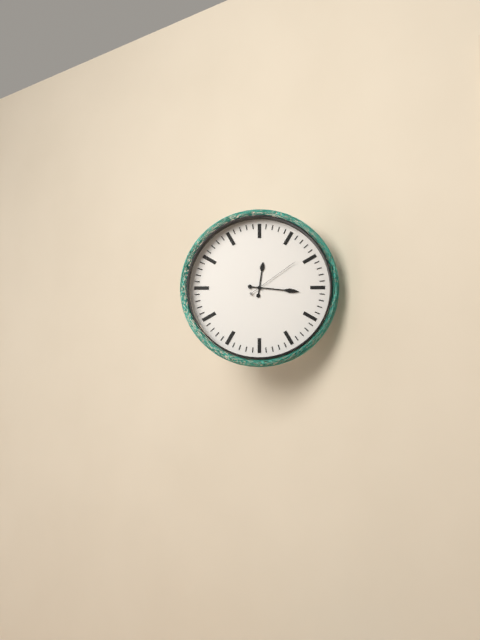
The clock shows h=12 m=16 s=9
